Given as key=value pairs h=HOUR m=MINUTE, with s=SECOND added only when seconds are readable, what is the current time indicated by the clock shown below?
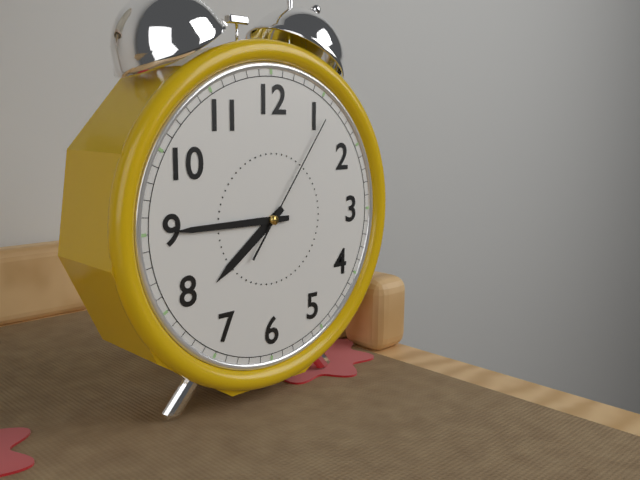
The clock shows h=7 m=45 s=6
